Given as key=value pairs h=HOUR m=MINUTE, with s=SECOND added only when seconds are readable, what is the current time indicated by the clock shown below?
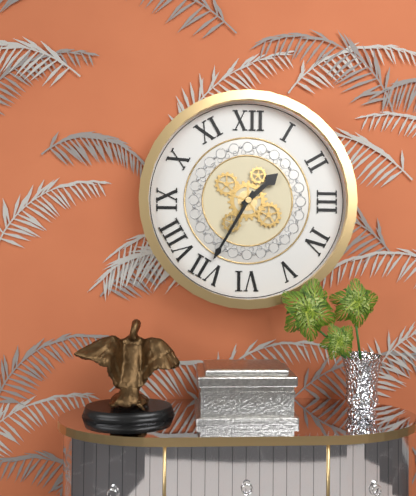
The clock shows h=1 m=35
